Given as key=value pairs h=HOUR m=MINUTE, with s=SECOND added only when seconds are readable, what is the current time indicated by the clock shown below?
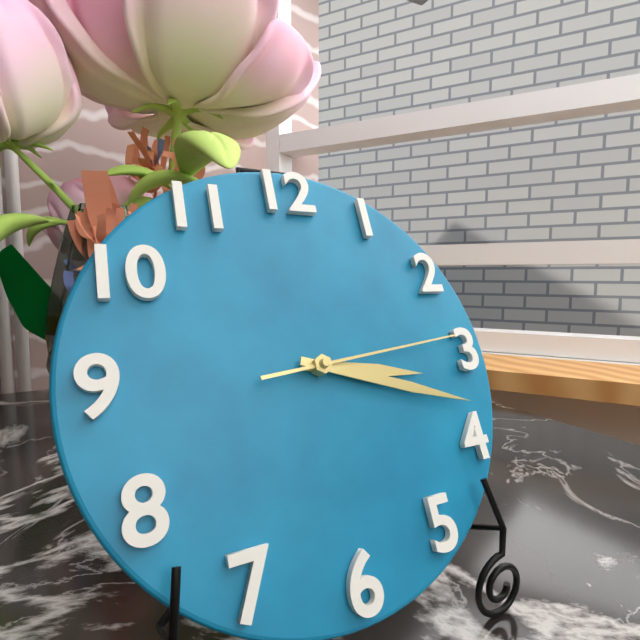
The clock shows h=3 m=18 s=14
